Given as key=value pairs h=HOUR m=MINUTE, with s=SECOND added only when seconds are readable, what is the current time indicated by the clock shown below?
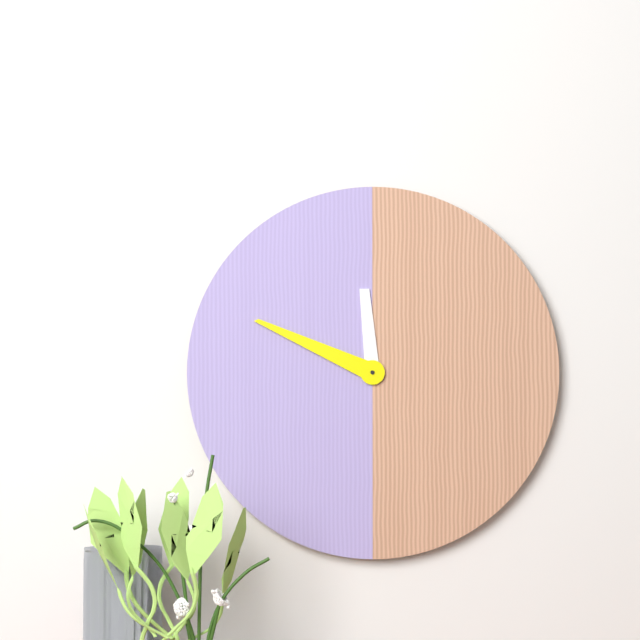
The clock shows h=11 m=49
